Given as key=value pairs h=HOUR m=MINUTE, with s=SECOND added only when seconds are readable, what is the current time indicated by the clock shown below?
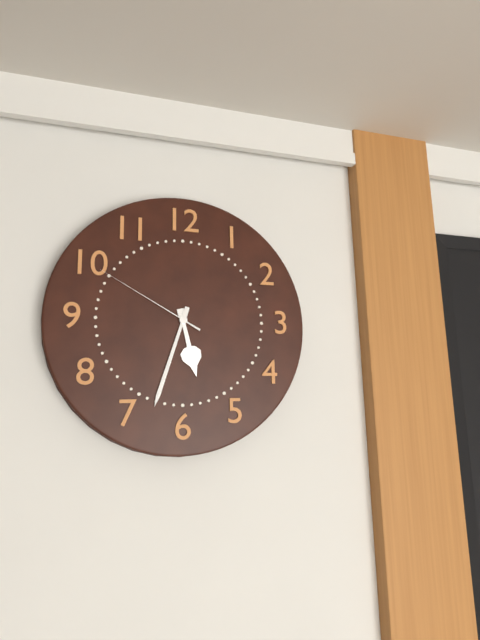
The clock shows h=5 m=33 s=50
